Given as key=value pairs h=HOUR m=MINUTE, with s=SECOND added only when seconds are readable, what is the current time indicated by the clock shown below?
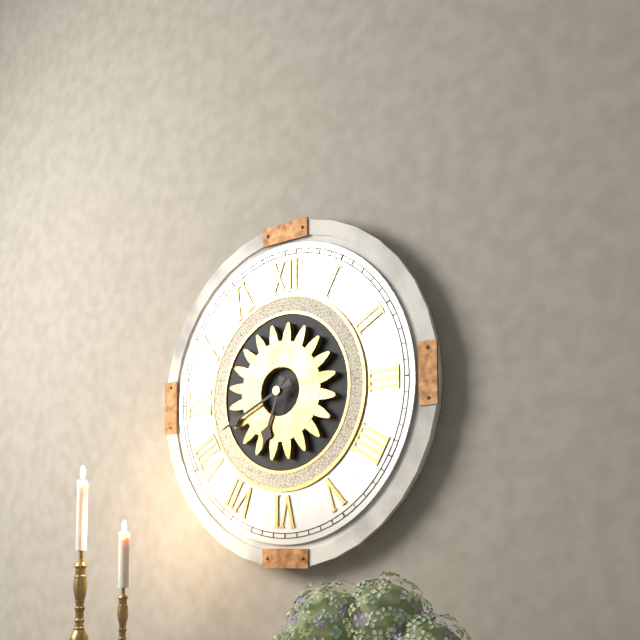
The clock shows h=6 m=41
